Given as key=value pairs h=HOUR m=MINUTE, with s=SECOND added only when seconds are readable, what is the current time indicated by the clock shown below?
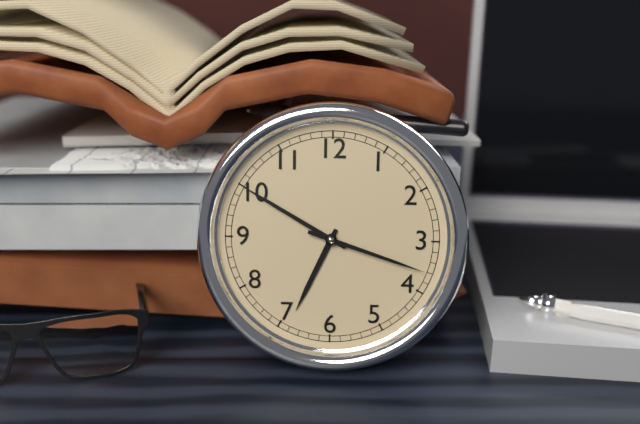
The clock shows h=6 m=50 s=18
